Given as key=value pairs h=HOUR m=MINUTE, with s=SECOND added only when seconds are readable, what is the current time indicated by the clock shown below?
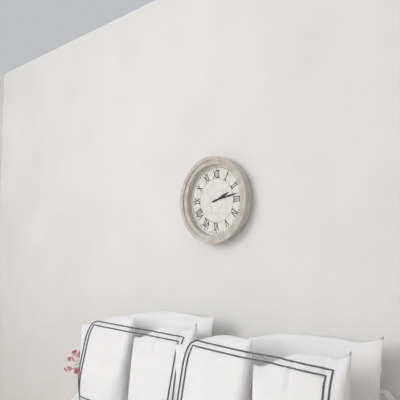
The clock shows h=2 m=13
